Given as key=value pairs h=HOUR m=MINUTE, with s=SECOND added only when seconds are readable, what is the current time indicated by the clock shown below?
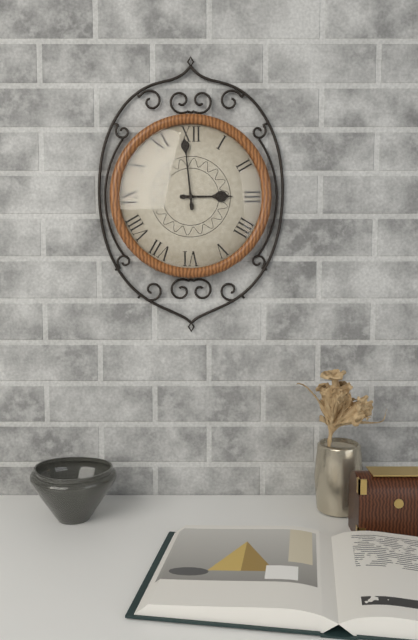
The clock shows h=2 m=59
